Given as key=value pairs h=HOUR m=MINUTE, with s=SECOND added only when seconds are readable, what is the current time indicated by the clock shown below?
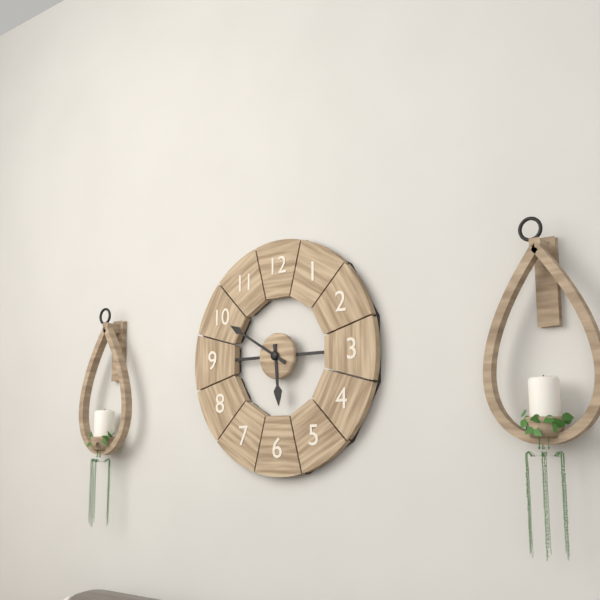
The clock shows h=5 m=50
